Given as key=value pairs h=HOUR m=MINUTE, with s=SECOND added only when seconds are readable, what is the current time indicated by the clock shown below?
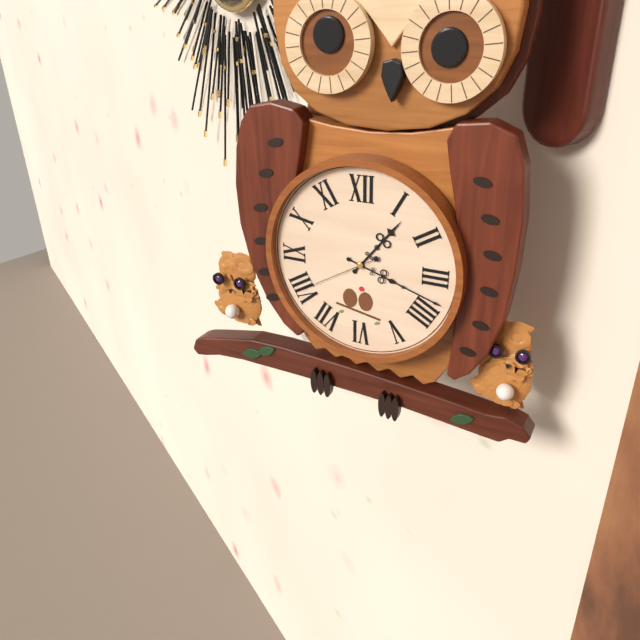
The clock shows h=1 m=18 s=40
